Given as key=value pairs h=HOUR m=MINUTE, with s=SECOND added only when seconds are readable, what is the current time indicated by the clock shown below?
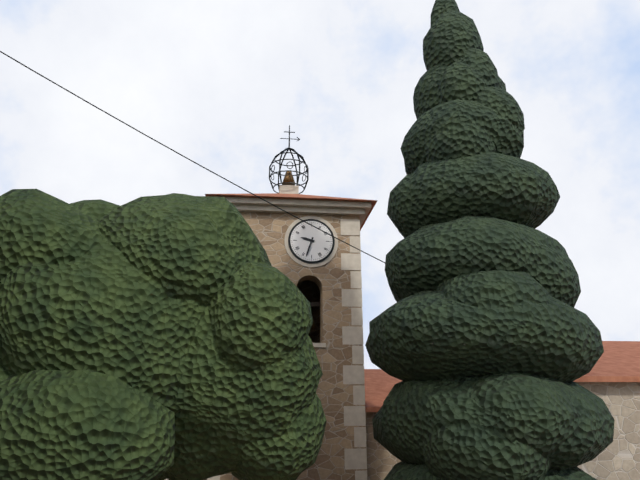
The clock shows h=9 m=33
